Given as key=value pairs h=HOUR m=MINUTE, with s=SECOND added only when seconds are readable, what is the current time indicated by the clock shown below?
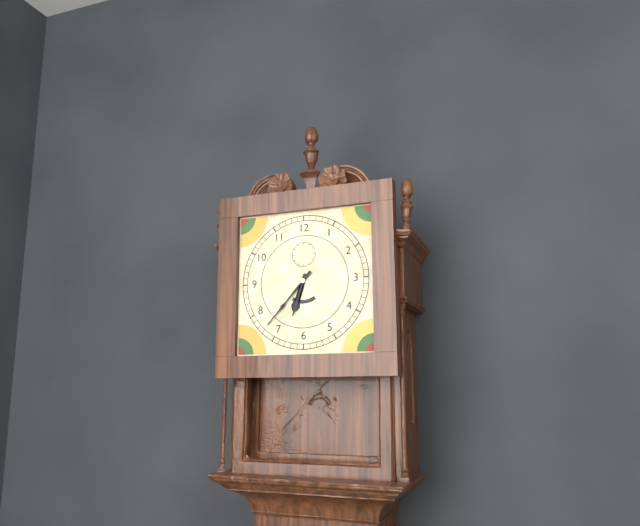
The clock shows h=6 m=37
